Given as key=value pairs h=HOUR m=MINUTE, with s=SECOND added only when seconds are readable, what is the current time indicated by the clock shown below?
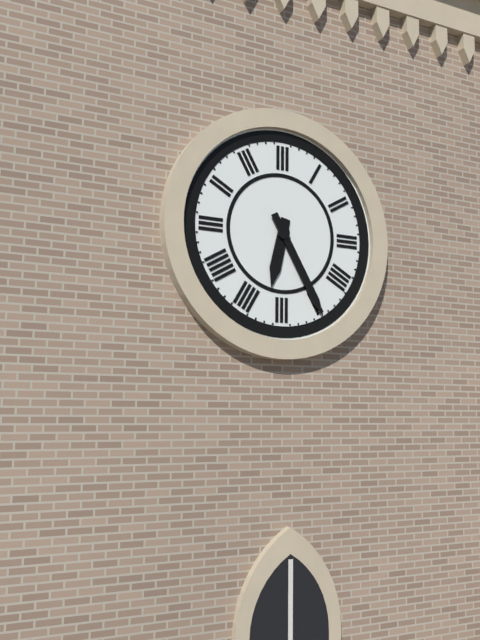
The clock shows h=6 m=25
